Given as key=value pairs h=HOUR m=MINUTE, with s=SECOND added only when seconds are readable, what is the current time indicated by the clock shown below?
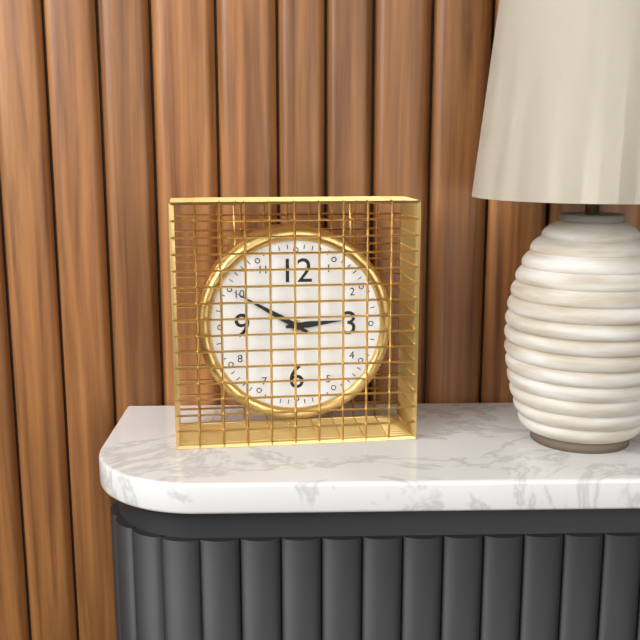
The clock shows h=2 m=50
